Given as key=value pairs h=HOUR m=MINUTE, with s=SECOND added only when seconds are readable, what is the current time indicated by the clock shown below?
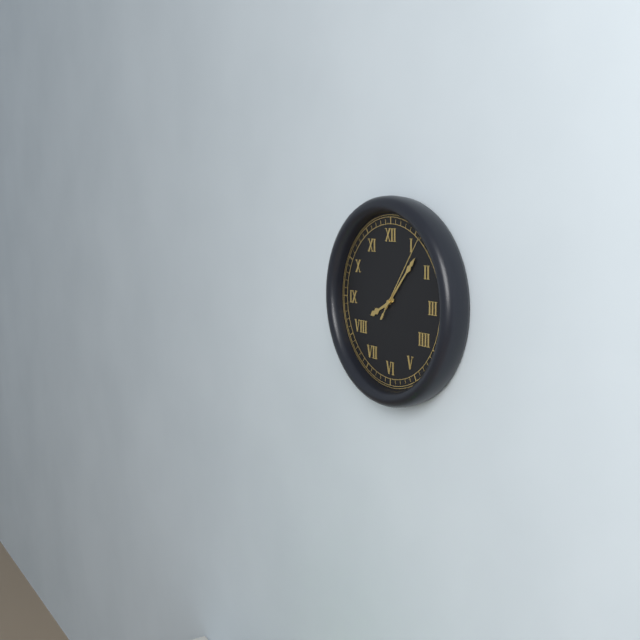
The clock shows h=8 m=7 s=6
